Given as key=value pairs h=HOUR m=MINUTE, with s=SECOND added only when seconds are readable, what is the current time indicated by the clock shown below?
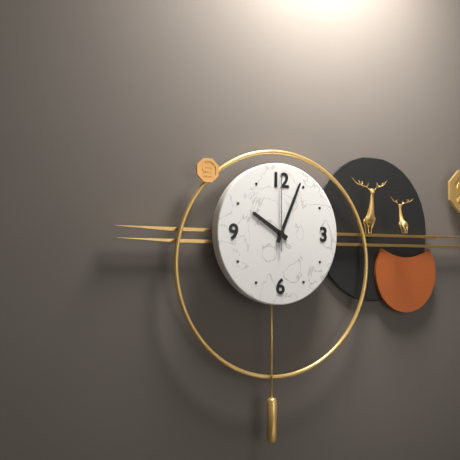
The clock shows h=10 m=4 s=0
